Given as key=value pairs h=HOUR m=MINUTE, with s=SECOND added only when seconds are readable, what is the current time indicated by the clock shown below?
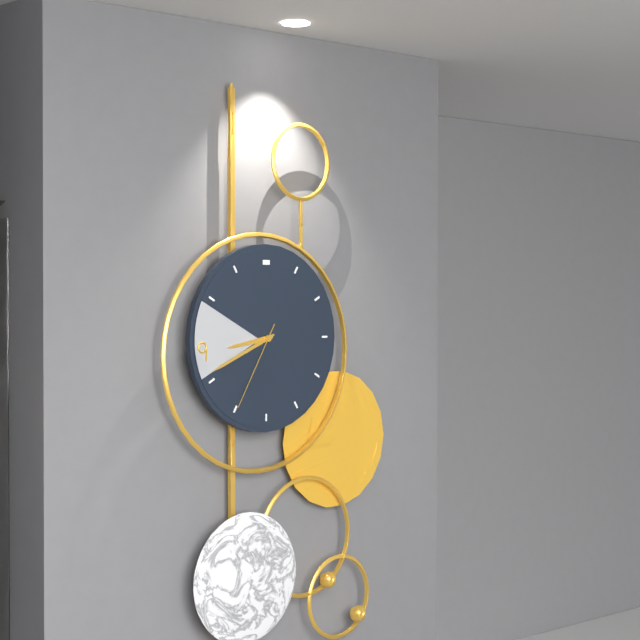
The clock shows h=8 m=41 s=35
